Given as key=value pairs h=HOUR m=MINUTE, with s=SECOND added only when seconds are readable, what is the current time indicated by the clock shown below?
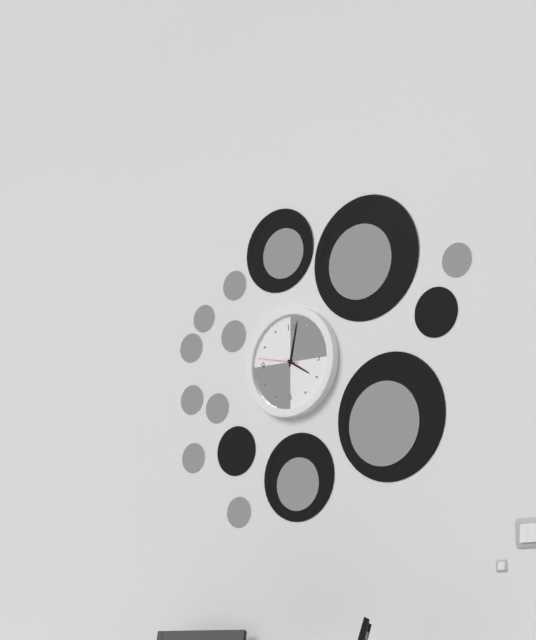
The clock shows h=4 m=2
